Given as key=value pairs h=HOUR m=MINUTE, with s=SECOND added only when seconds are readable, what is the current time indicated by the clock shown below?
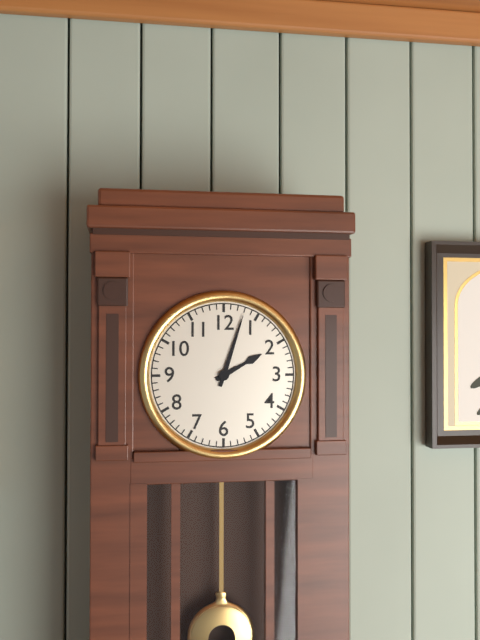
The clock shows h=2 m=3
